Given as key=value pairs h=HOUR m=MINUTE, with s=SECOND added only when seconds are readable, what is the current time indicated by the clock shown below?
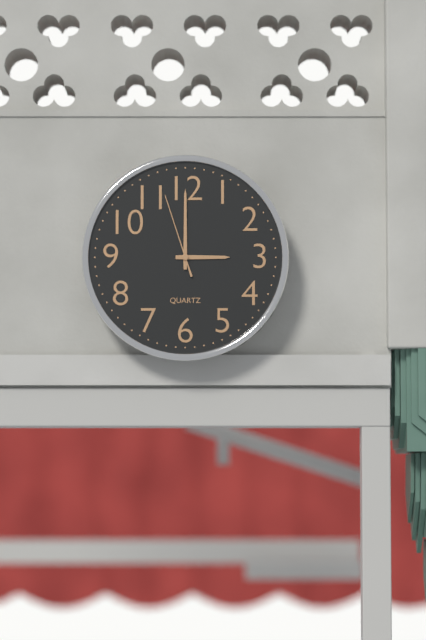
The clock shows h=3 m=0 s=57
